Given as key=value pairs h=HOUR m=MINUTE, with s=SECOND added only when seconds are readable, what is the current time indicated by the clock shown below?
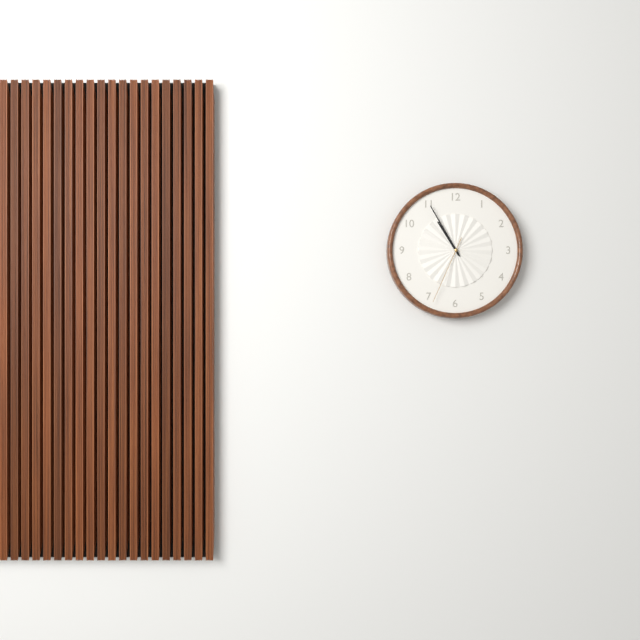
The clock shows h=10 m=55 s=34
